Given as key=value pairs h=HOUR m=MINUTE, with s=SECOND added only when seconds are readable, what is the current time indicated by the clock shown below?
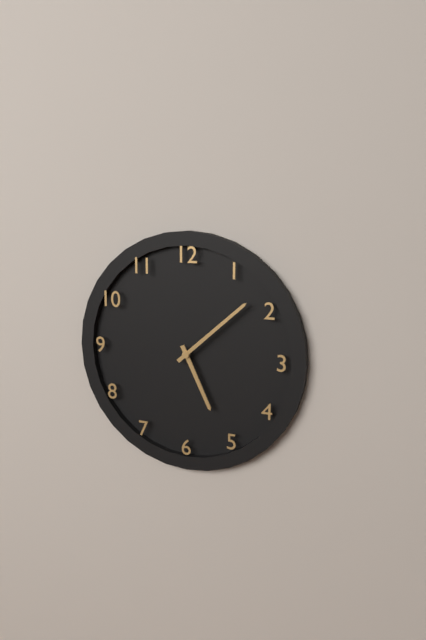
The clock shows h=5 m=8
